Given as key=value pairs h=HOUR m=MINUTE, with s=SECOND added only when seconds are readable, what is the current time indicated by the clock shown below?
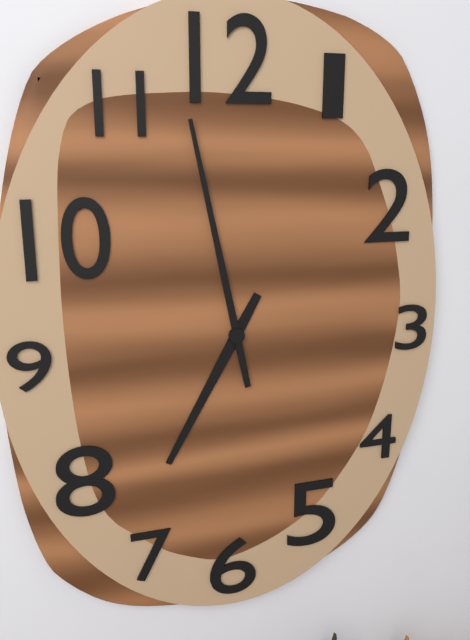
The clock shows h=6 m=58
